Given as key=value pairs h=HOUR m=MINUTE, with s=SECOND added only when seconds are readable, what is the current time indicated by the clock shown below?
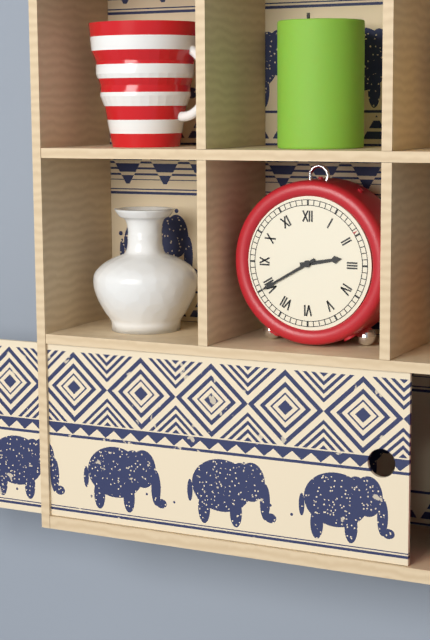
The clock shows h=2 m=40
